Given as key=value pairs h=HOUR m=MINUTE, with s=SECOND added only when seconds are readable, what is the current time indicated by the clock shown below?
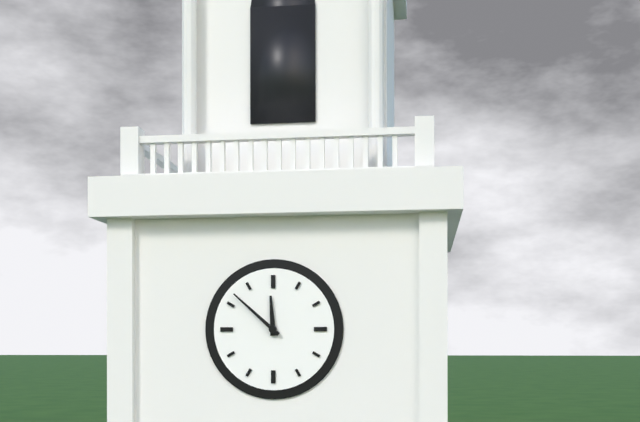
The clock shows h=11 m=52
